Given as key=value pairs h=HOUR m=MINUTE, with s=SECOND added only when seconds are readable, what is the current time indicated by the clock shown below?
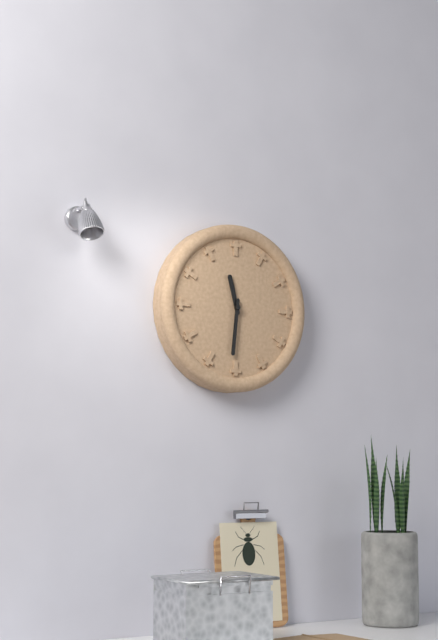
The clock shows h=11 m=31
